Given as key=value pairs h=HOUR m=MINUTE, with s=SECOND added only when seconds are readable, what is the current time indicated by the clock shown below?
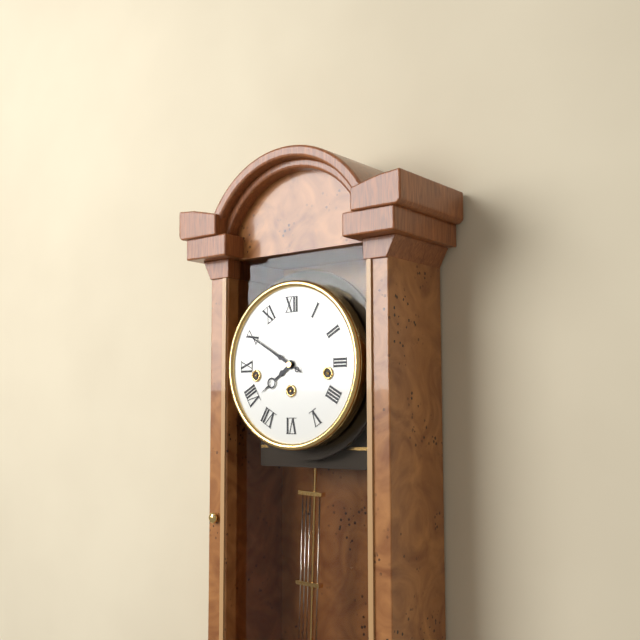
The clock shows h=7 m=50
